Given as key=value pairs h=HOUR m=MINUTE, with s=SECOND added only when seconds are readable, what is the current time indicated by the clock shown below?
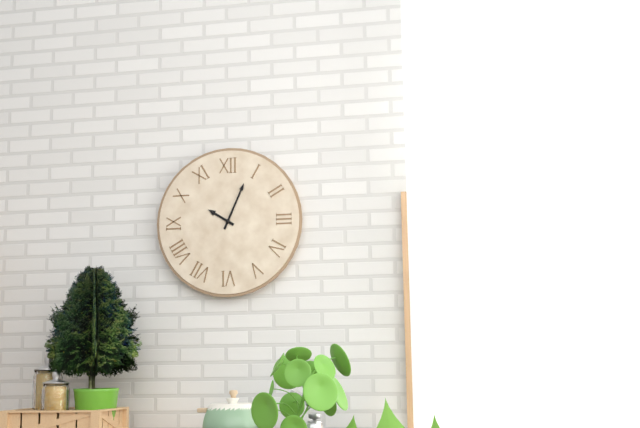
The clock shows h=10 m=4
